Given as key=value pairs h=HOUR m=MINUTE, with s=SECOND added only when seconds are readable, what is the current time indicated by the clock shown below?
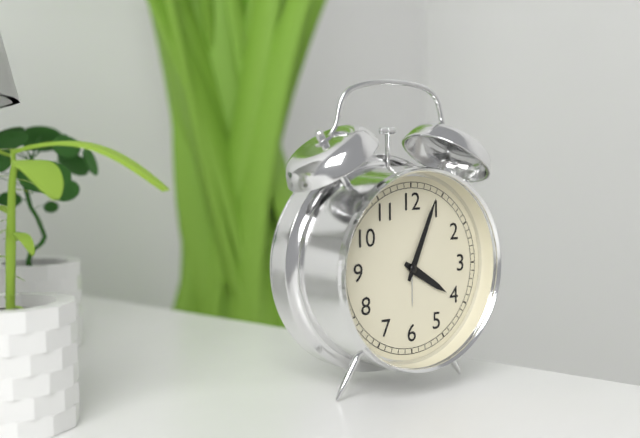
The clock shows h=4 m=4
